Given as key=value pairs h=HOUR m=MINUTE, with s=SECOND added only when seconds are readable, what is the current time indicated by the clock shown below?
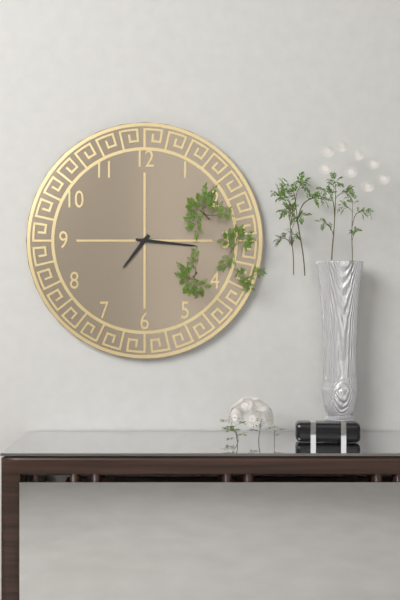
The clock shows h=7 m=16
